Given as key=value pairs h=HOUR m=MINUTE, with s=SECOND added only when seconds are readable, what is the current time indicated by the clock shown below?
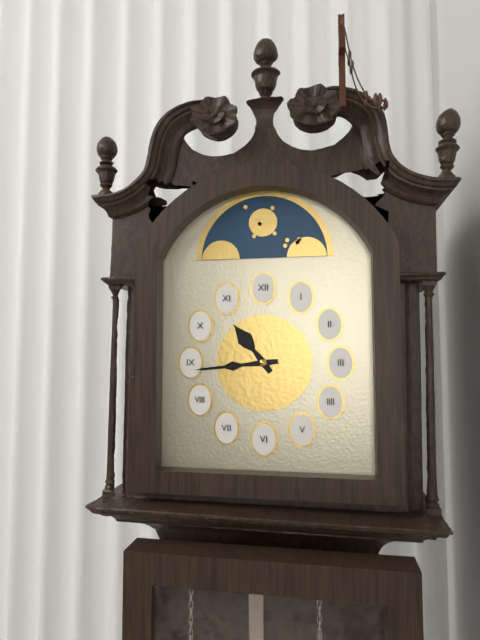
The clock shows h=10 m=44
